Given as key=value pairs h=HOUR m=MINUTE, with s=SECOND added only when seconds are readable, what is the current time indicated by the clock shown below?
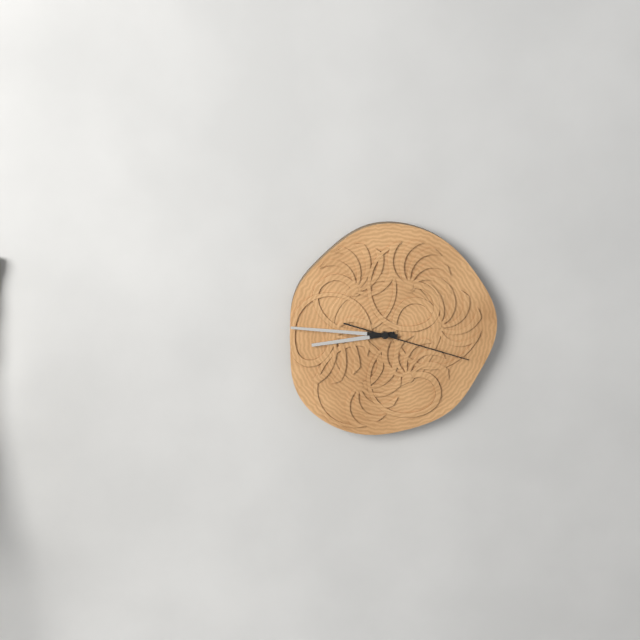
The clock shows h=8 m=46 s=18
